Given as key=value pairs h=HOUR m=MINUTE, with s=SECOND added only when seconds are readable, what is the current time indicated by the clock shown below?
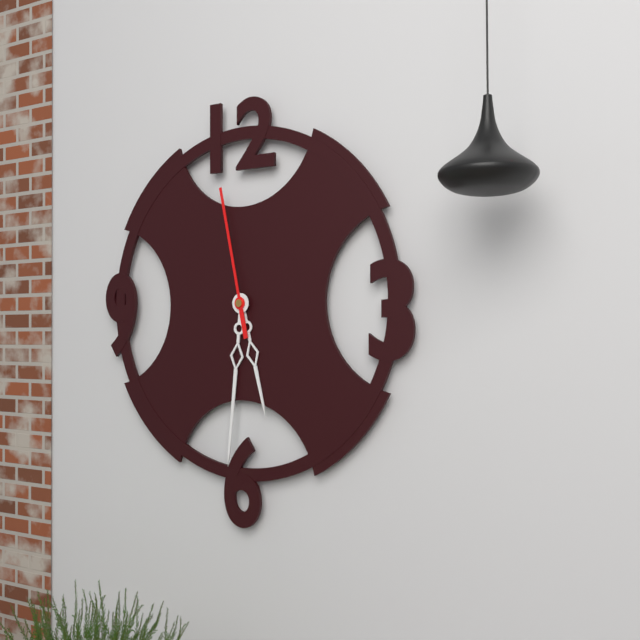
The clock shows h=5 m=31 s=58
